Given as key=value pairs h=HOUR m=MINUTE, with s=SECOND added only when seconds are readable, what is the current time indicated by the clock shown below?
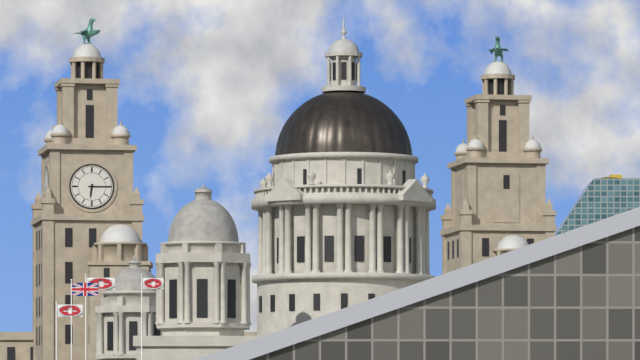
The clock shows h=6 m=15
